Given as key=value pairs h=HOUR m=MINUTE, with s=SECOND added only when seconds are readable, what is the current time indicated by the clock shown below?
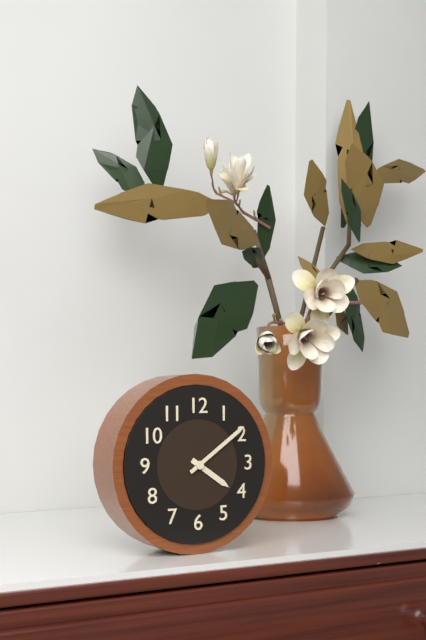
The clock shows h=4 m=9
